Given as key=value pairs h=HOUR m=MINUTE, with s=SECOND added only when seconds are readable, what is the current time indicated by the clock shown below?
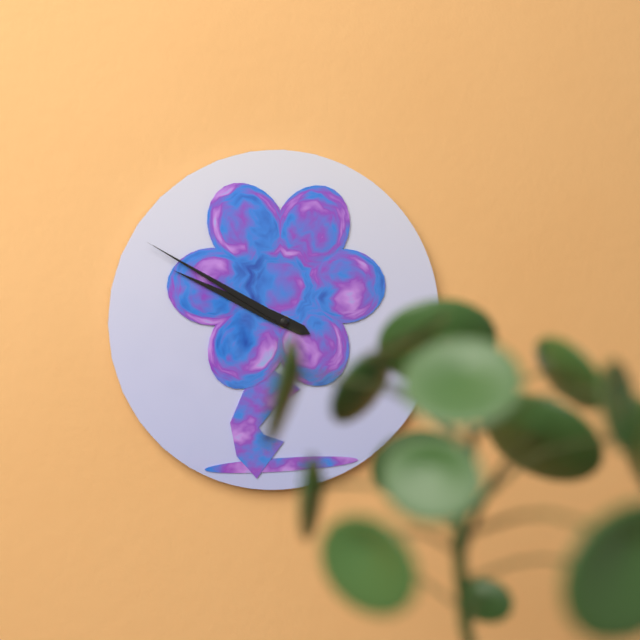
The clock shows h=9 m=50
